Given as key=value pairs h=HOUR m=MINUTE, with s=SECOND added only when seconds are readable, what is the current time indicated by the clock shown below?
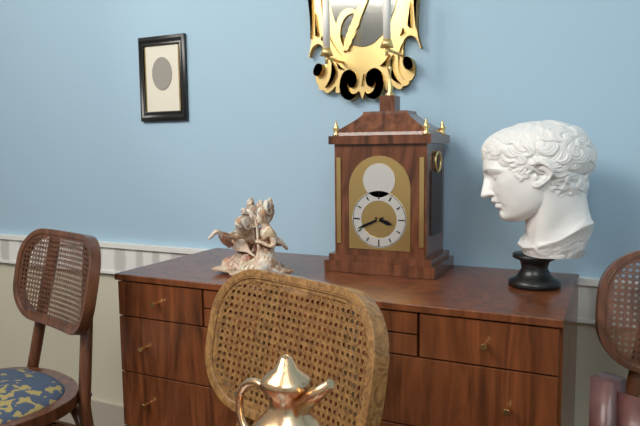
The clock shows h=3 m=41
